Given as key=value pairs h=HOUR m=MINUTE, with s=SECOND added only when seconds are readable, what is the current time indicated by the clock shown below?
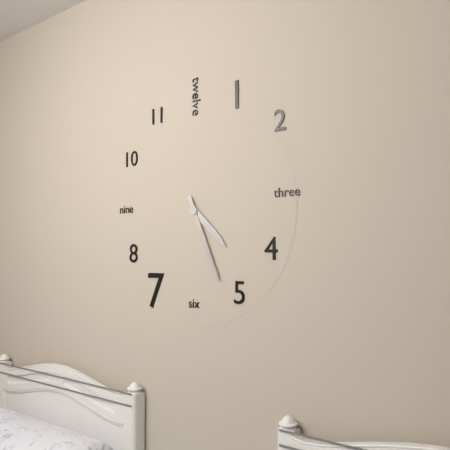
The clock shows h=4 m=26
